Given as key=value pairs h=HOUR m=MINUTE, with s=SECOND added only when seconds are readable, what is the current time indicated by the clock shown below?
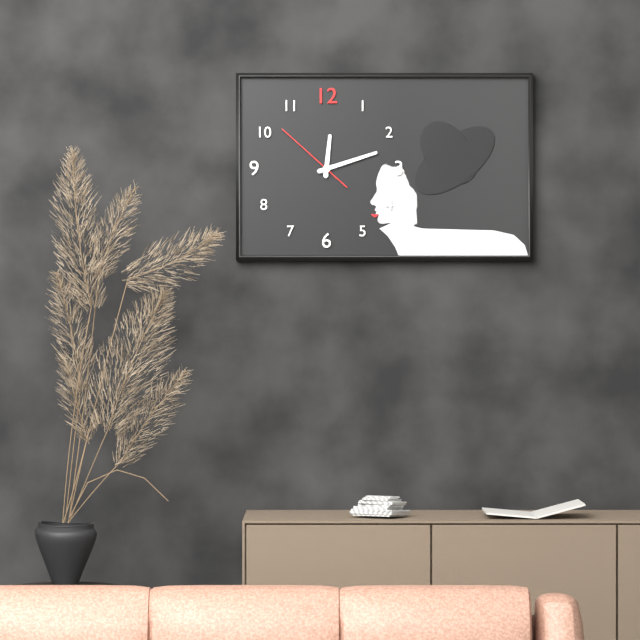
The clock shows h=12 m=12 s=52
